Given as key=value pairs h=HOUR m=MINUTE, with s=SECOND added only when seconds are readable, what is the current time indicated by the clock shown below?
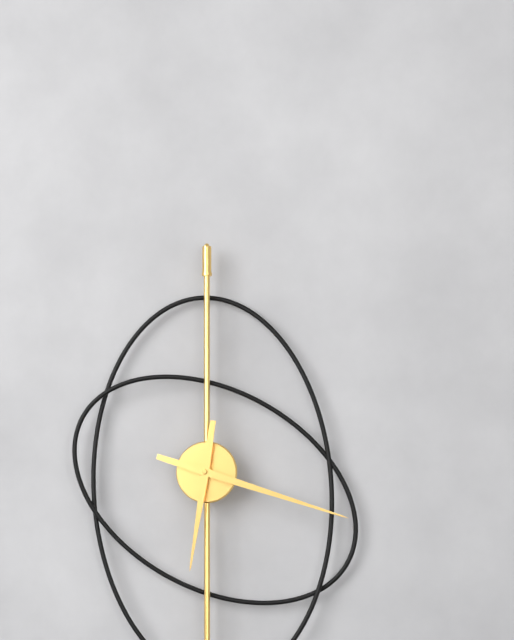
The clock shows h=6 m=18
